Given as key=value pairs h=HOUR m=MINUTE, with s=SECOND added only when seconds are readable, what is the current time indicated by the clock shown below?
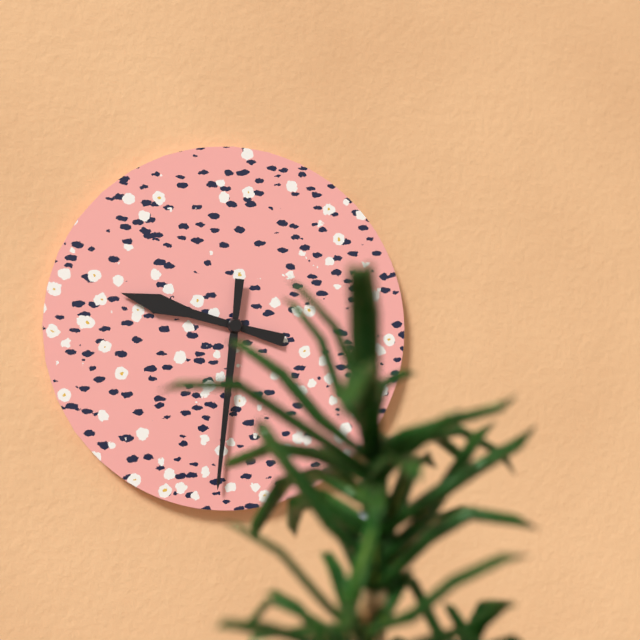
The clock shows h=9 m=31
